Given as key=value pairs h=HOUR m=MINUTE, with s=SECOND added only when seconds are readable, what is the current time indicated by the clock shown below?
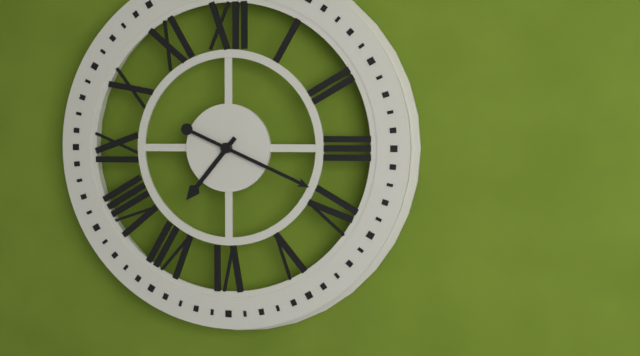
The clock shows h=7 m=19
